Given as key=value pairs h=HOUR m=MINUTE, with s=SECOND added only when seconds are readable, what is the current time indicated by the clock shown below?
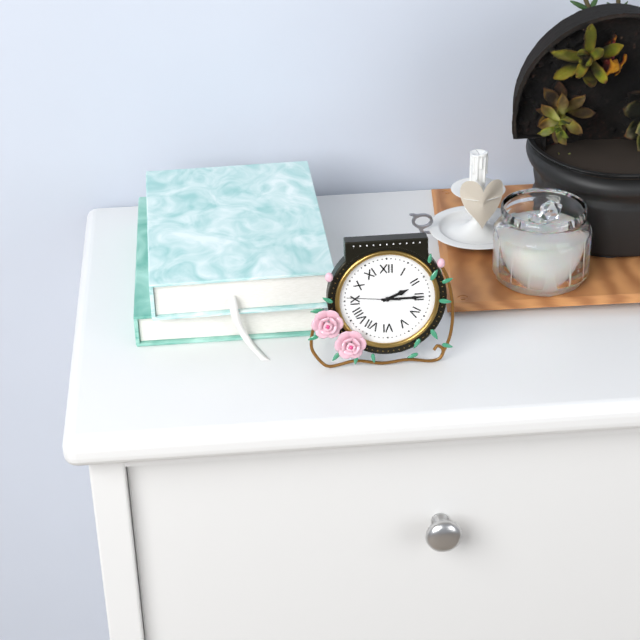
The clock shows h=2 m=15 s=46
